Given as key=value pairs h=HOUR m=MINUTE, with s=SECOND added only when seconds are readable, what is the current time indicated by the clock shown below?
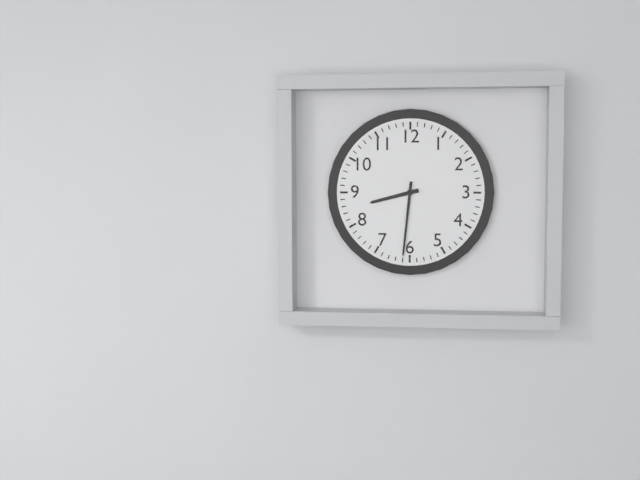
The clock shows h=8 m=31
